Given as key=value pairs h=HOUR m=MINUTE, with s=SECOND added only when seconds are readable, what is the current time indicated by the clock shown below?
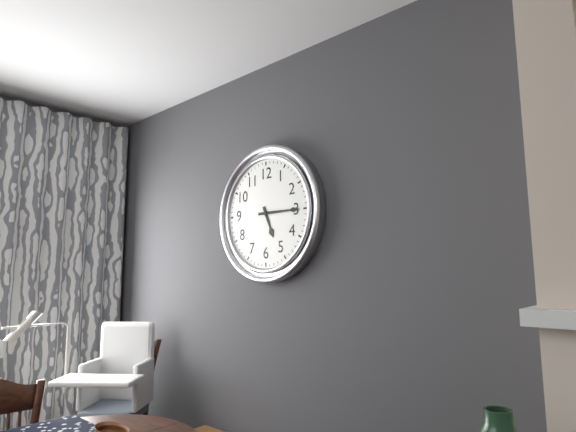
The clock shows h=5 m=15
